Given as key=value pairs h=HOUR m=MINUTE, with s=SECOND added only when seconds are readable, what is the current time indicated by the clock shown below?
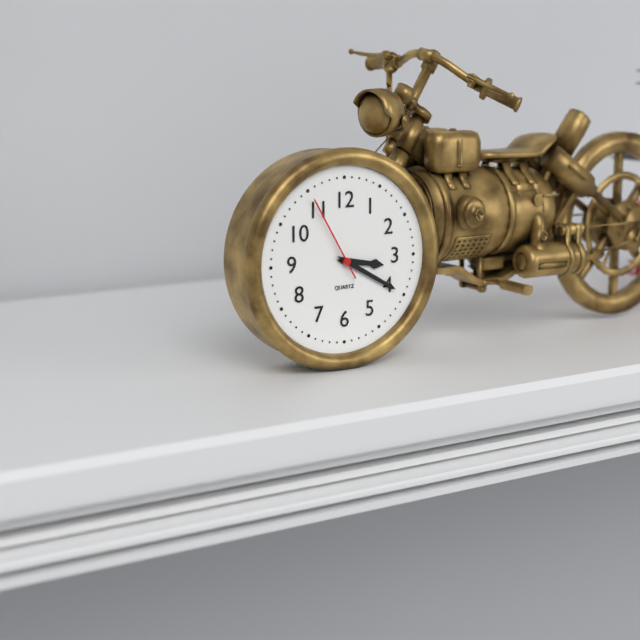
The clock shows h=3 m=20 s=55
